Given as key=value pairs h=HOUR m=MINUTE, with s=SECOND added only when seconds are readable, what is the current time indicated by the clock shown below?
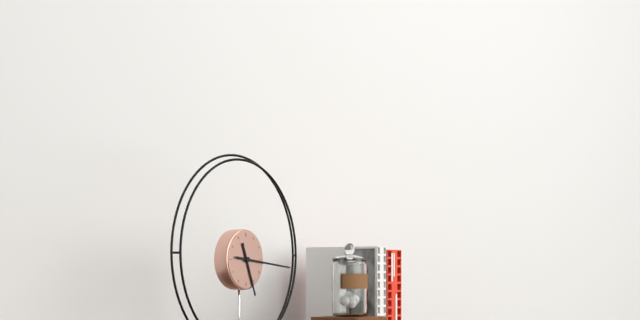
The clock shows h=5 m=16
